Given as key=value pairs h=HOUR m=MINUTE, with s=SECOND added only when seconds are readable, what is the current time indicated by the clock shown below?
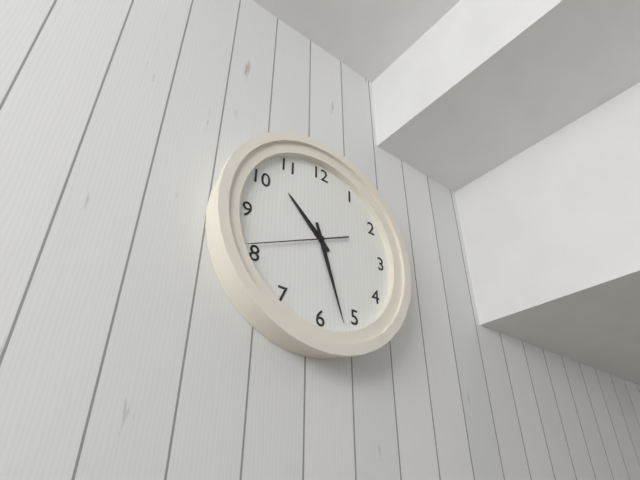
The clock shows h=10 m=27 s=41
